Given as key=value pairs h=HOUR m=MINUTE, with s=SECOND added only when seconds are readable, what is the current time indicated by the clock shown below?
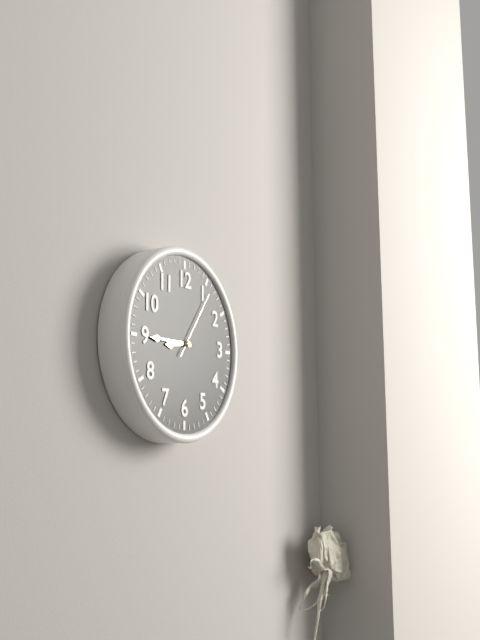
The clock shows h=8 m=45 s=6
